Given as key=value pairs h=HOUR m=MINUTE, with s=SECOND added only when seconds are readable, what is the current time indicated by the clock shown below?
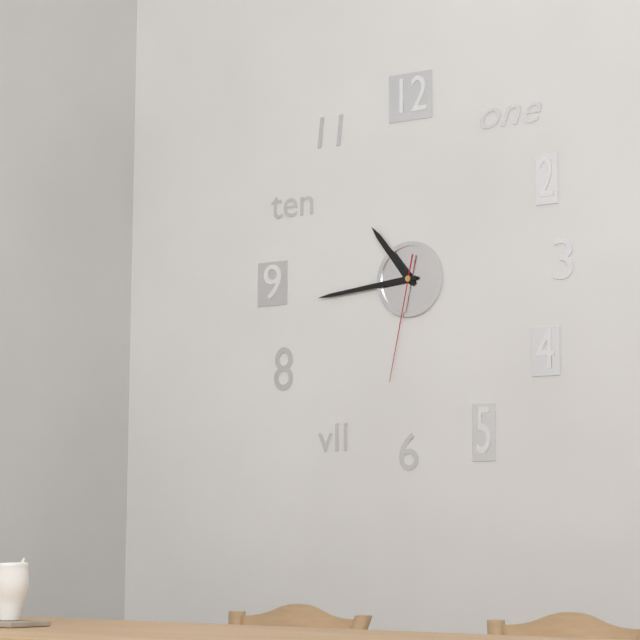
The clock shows h=10 m=44 s=32
